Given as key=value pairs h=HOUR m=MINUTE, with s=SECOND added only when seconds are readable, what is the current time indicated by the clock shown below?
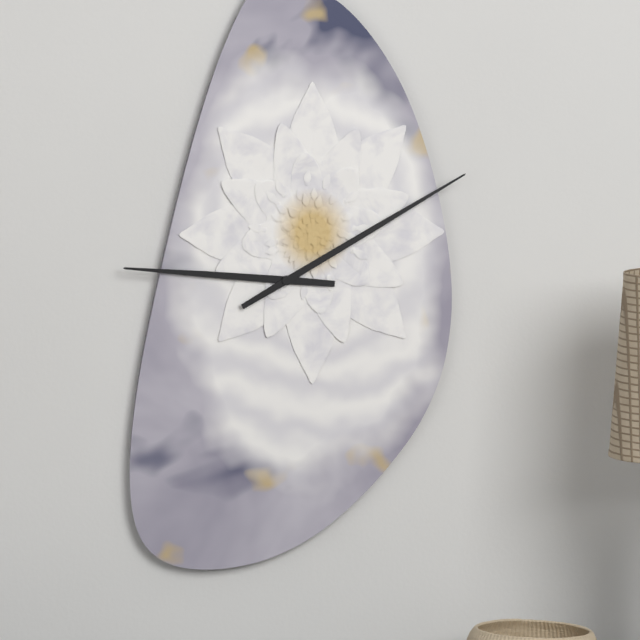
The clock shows h=9 m=10
